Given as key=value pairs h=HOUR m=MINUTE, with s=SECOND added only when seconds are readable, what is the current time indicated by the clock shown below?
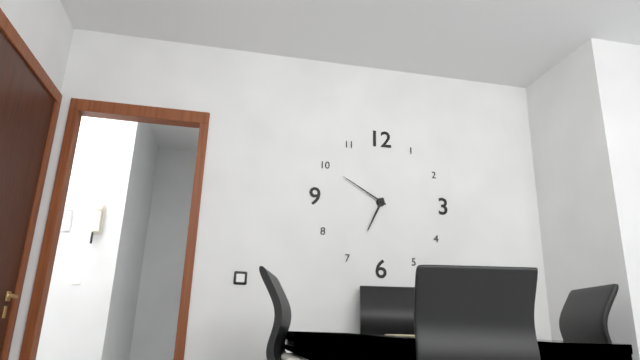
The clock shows h=6 m=50
